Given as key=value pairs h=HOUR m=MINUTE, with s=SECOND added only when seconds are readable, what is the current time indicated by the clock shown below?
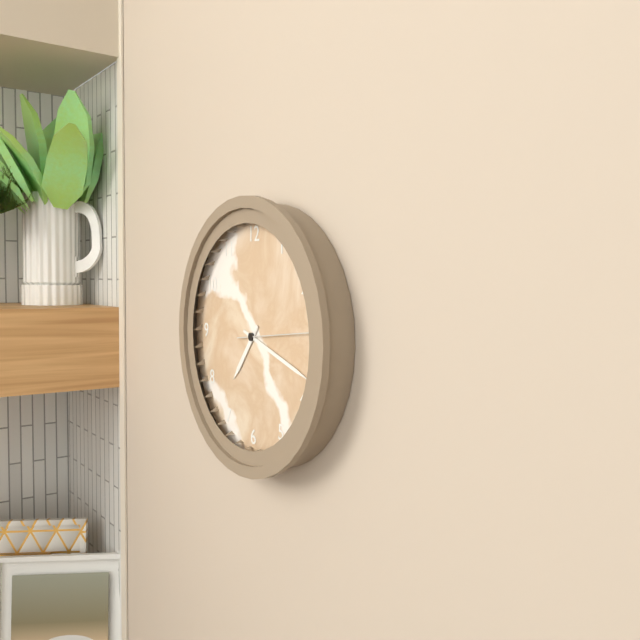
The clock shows h=7 m=18 s=14
